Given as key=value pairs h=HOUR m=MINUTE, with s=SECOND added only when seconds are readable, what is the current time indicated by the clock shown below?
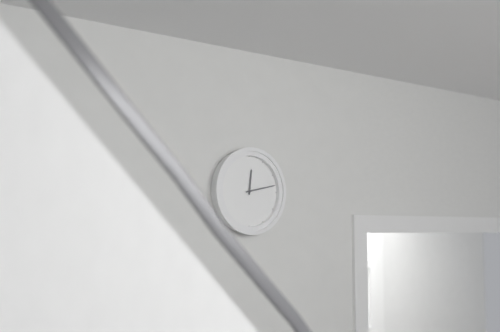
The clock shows h=12 m=13
